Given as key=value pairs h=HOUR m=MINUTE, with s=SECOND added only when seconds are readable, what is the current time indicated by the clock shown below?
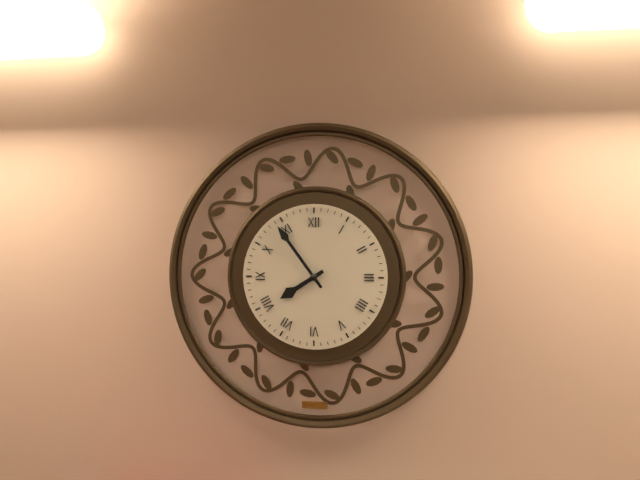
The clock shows h=7 m=54
